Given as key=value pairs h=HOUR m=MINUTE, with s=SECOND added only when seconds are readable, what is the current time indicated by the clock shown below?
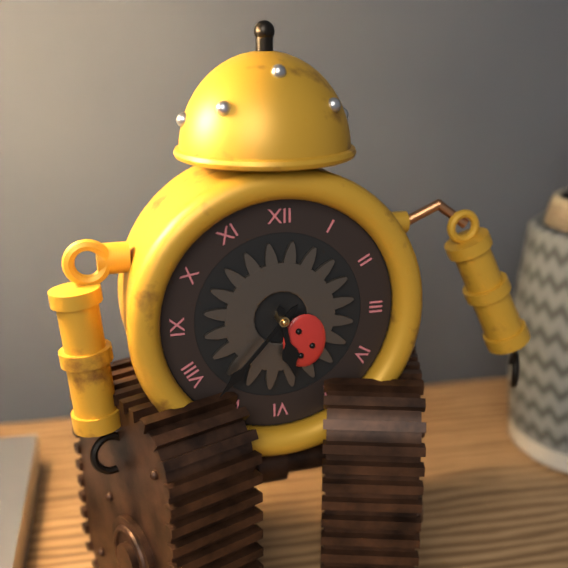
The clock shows h=5 m=37
